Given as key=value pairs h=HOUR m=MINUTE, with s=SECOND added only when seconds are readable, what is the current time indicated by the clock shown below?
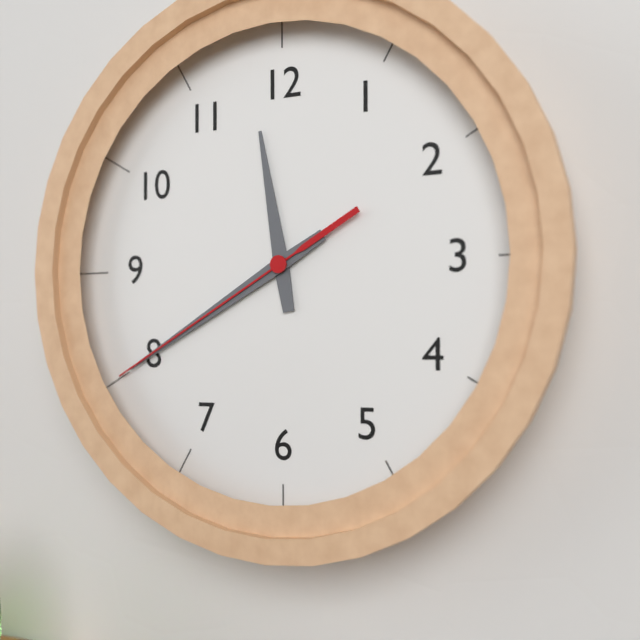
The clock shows h=11 m=40 s=40
